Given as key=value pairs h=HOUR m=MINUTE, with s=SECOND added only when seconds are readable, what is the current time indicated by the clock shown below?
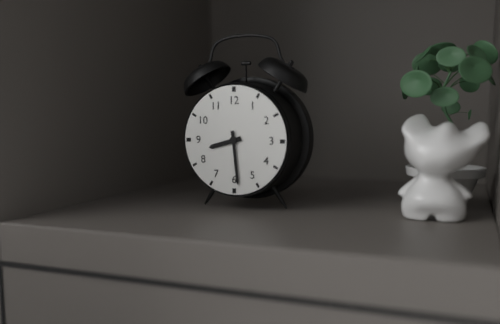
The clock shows h=8 m=29
